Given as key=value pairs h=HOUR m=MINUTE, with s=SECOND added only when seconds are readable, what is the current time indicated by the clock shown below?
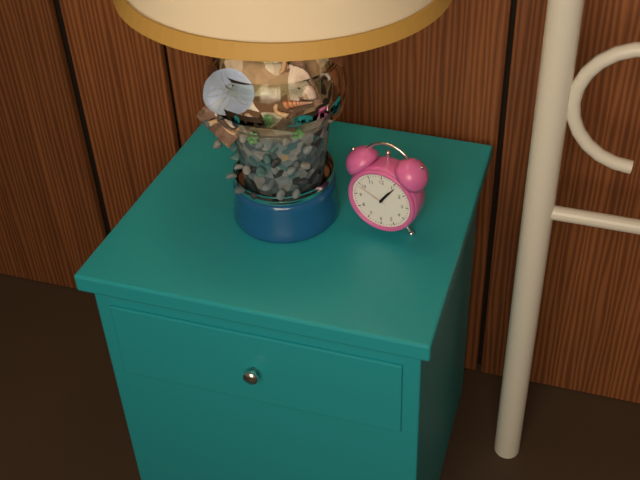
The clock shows h=1 m=6
